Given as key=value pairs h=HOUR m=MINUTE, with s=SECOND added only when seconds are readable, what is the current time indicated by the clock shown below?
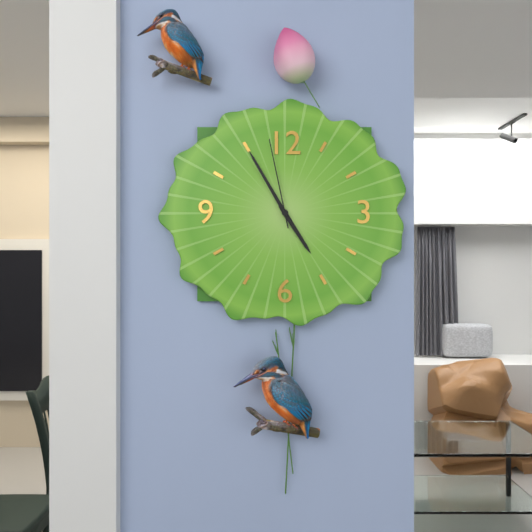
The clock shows h=4 m=55 s=58
